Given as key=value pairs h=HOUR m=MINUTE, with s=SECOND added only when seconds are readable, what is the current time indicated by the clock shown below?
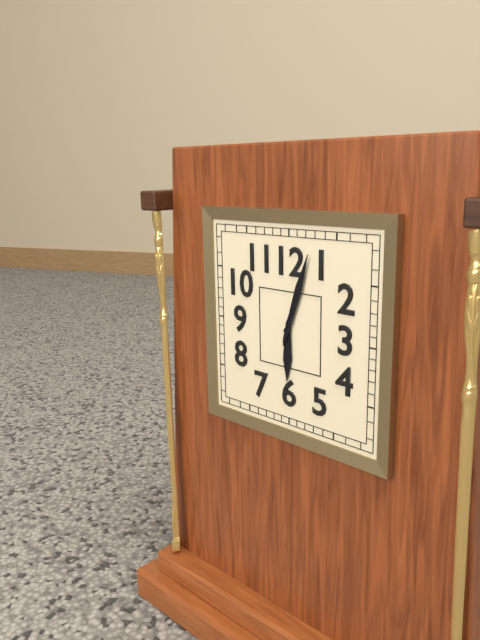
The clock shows h=6 m=3
